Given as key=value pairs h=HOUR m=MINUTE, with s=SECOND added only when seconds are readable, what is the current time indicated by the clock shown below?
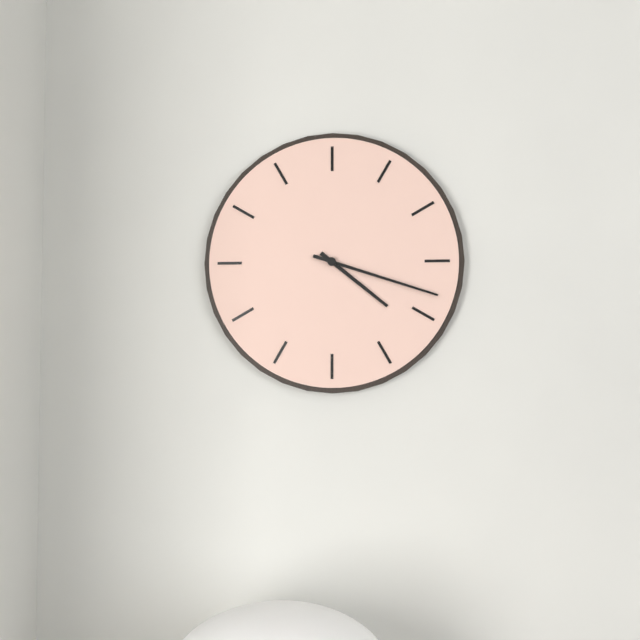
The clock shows h=4 m=18
